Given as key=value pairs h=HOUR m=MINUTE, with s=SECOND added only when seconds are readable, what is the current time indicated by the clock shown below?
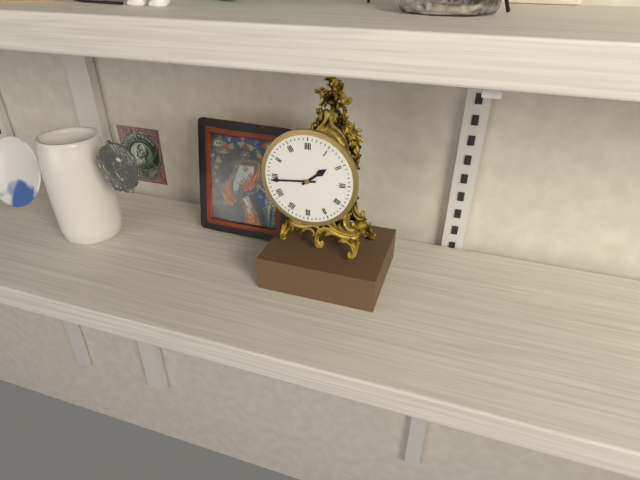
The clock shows h=1 m=44
